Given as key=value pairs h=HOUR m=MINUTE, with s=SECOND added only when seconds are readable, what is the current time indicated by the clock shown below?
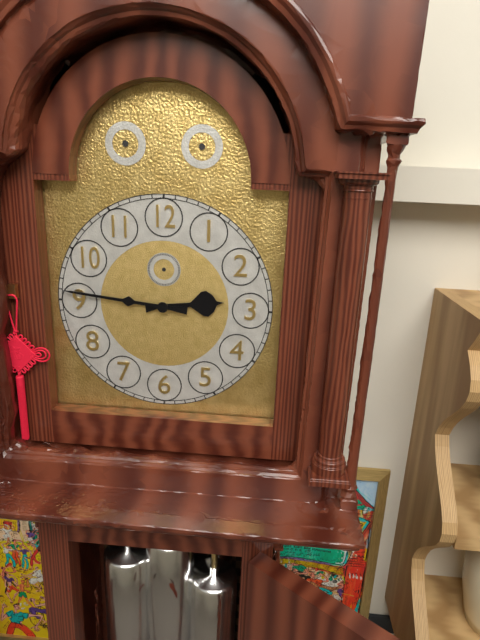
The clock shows h=2 m=46
